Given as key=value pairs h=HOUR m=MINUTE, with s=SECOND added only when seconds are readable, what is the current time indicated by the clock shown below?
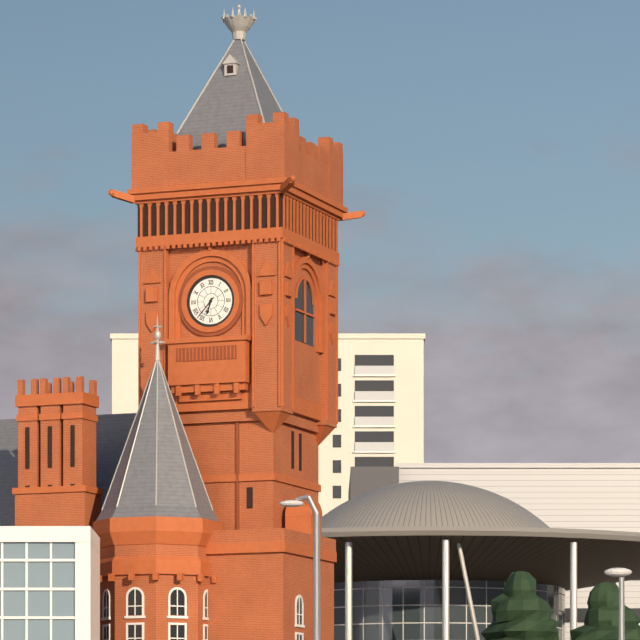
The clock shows h=6 m=37
